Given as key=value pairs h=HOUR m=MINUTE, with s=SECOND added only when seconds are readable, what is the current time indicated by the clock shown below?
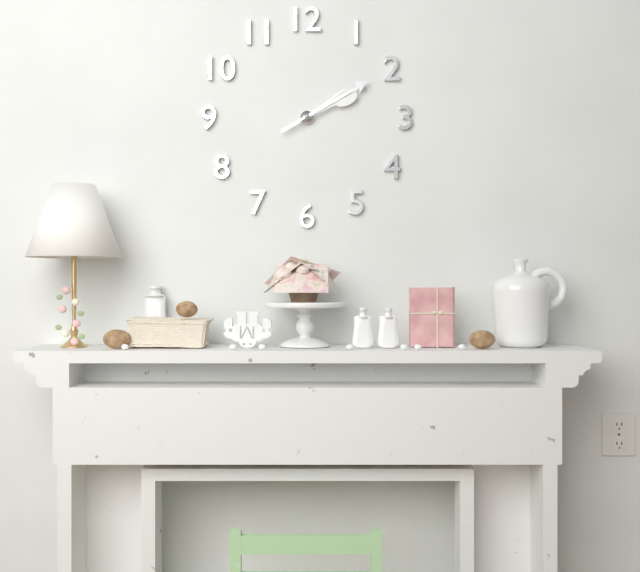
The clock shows h=2 m=10 s=9
